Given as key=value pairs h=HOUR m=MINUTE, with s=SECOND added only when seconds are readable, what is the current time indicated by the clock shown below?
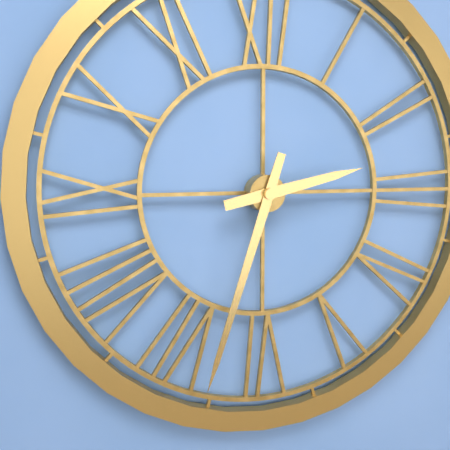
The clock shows h=2 m=33
